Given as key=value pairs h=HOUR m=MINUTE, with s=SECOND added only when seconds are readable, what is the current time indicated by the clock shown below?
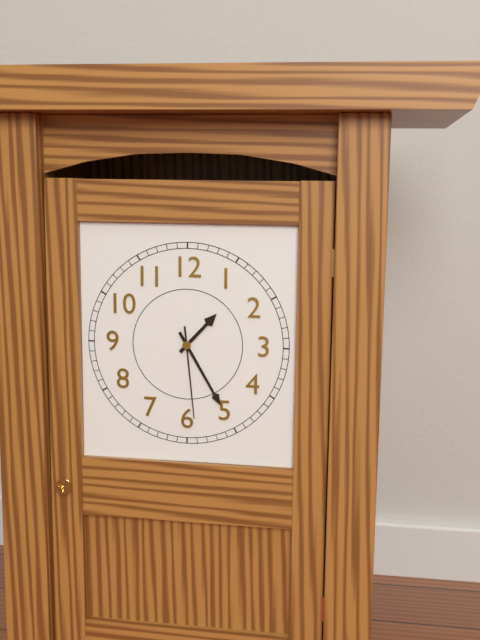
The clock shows h=1 m=25 s=29
